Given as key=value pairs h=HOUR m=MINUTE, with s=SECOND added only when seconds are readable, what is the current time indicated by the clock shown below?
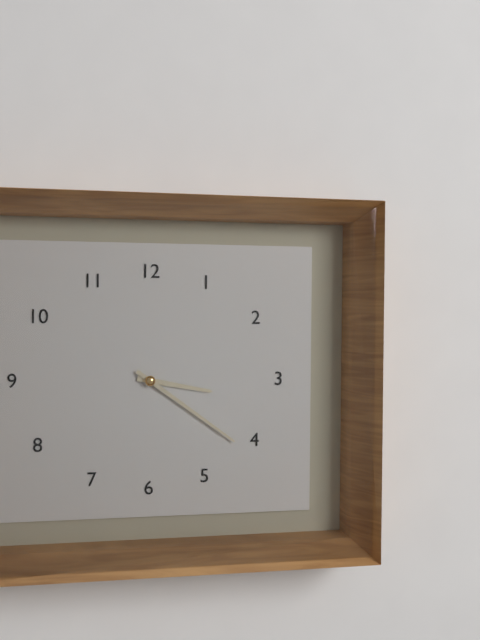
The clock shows h=3 m=21
